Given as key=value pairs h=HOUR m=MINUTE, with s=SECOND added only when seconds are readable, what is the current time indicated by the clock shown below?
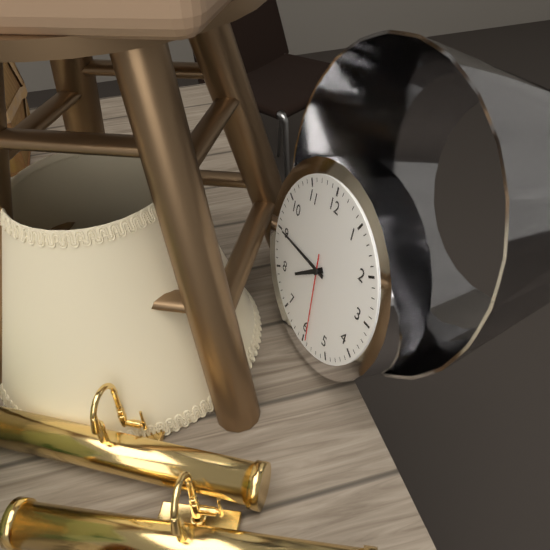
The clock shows h=7 m=45 s=29
